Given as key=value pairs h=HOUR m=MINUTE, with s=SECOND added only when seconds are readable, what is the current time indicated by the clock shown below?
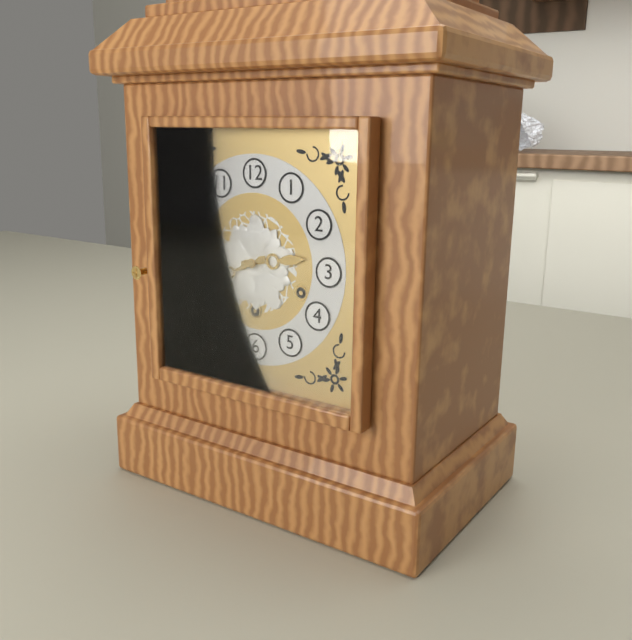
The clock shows h=2 m=41
